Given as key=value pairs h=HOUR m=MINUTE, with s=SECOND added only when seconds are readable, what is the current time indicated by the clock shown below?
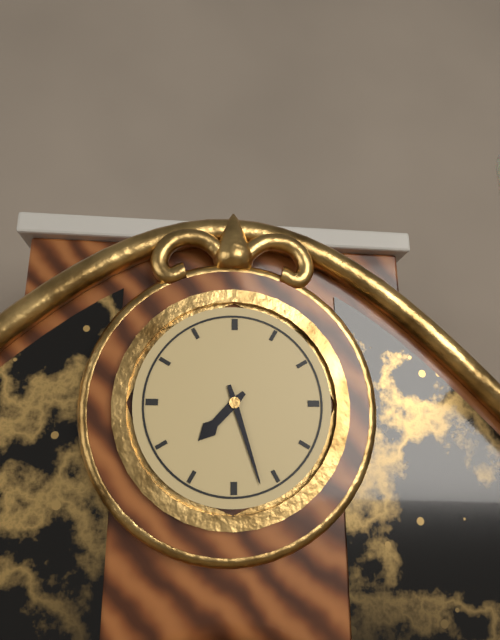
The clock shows h=7 m=27
